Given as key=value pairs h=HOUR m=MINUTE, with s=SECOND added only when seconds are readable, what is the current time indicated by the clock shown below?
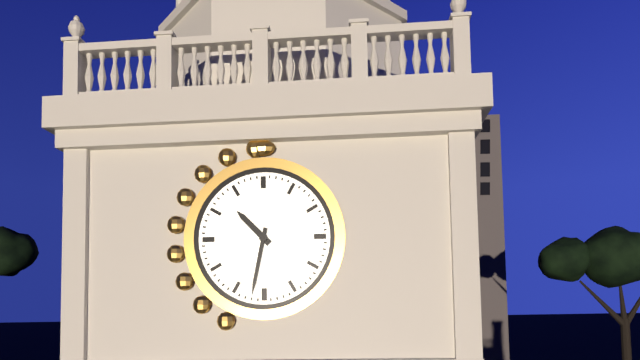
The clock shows h=10 m=32
